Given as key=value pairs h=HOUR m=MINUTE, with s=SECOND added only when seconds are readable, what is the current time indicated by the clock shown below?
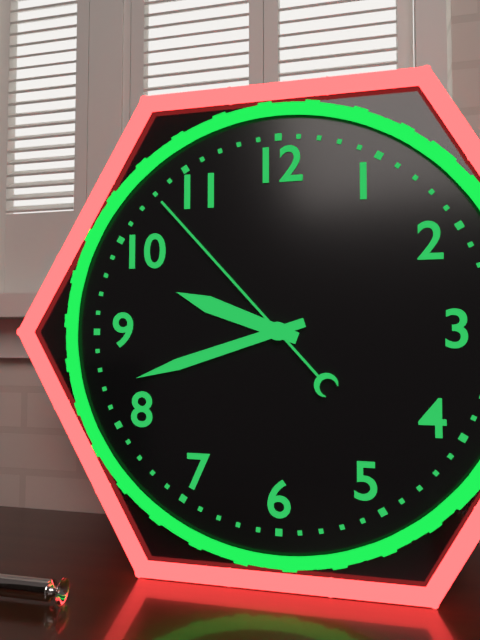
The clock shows h=9 m=42 s=53
